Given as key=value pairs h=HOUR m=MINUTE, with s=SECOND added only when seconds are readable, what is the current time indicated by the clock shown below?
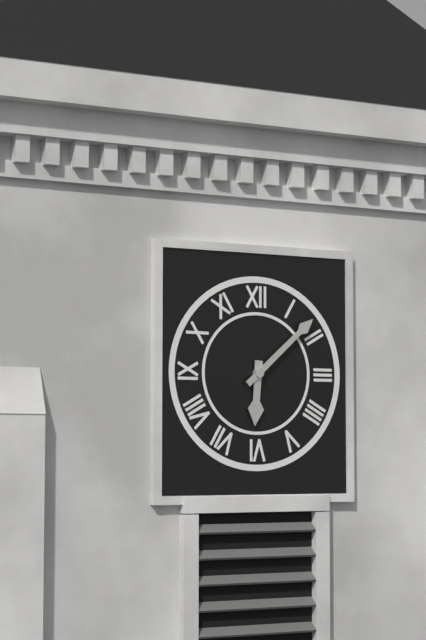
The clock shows h=6 m=8
